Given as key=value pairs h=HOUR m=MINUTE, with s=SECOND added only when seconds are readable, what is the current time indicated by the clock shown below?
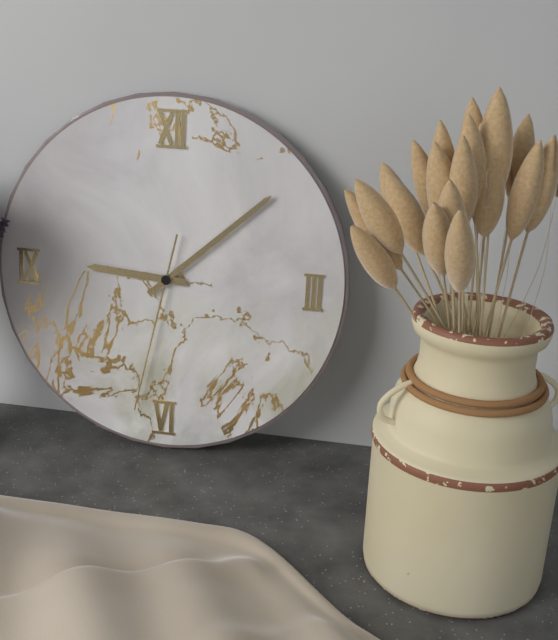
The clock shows h=9 m=8 s=32
